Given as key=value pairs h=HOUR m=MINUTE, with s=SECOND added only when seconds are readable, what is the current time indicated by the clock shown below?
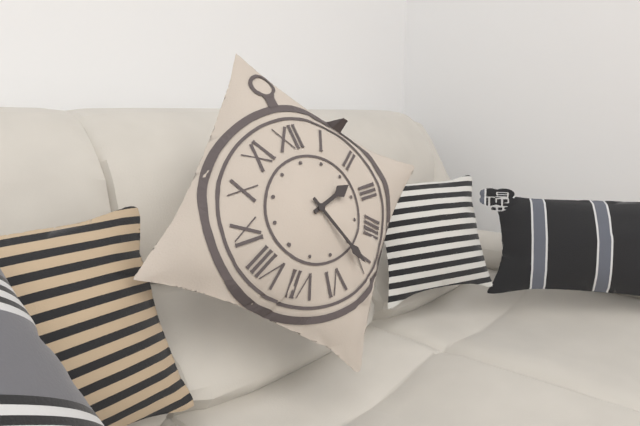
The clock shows h=2 m=26
